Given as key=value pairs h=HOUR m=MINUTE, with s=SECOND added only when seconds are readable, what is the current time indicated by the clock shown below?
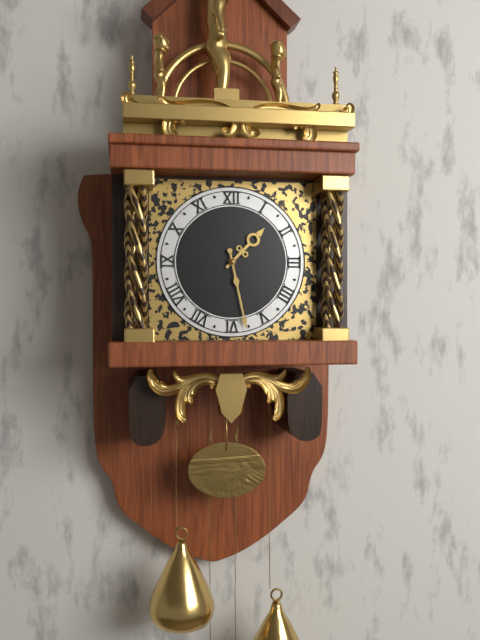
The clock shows h=1 m=28
